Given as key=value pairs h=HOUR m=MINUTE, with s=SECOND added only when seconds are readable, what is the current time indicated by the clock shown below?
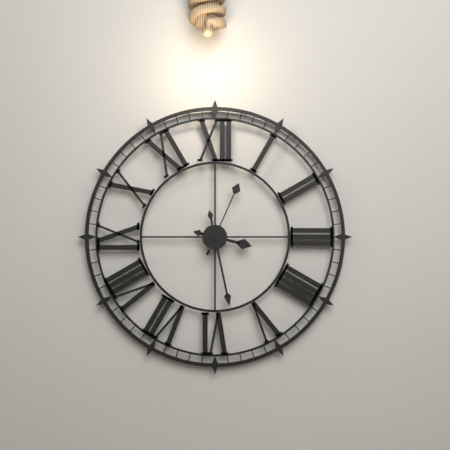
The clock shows h=3 m=28 s=4
